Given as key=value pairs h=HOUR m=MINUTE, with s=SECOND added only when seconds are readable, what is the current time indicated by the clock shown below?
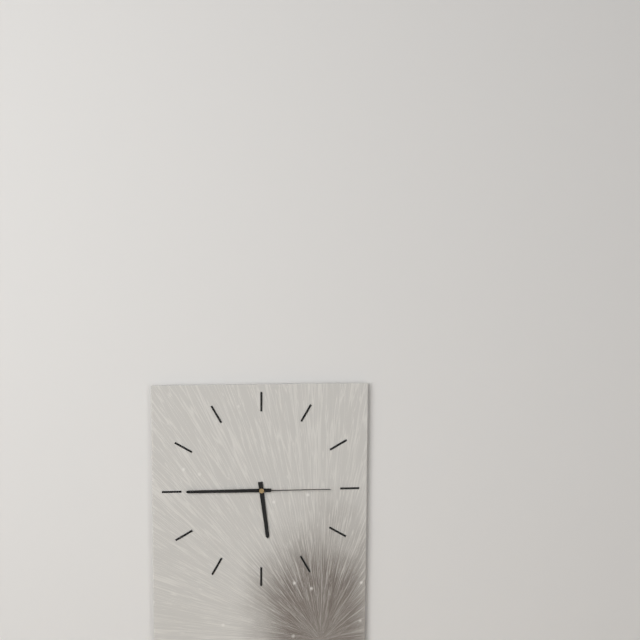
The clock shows h=5 m=45 s=15
